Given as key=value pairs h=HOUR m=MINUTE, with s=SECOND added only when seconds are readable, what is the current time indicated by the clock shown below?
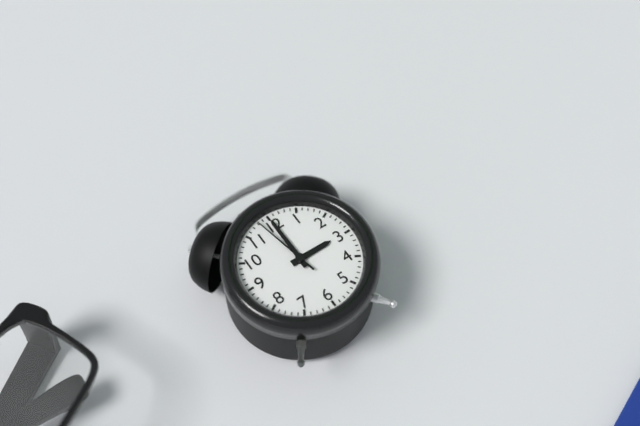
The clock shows h=3 m=0 s=58
